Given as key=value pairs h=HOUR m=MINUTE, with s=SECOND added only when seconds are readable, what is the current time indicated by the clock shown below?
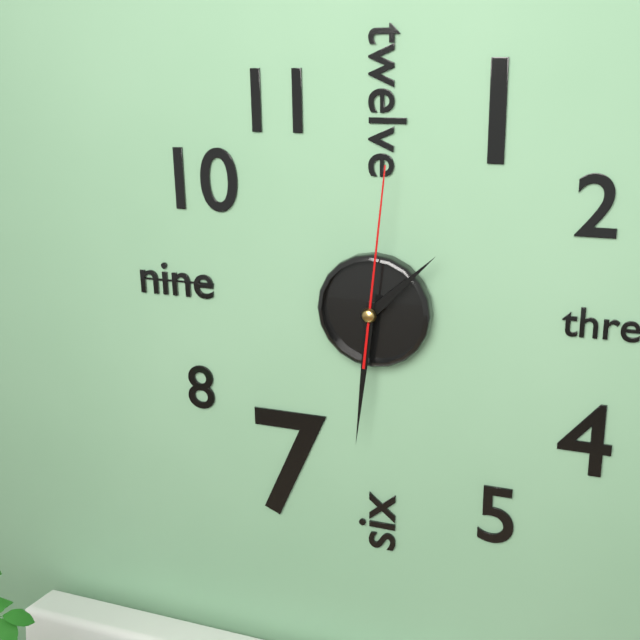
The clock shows h=1 m=31 s=1
